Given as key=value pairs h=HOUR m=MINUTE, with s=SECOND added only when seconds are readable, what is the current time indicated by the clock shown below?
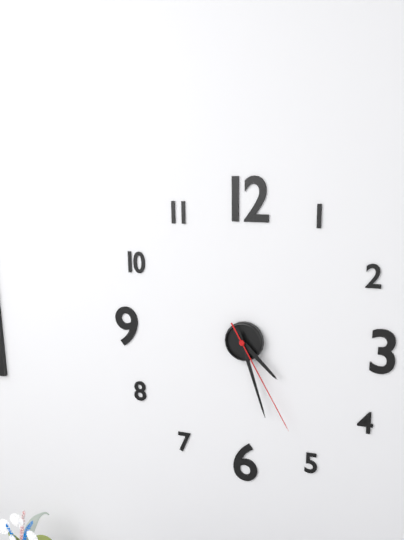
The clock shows h=4 m=27 s=25
